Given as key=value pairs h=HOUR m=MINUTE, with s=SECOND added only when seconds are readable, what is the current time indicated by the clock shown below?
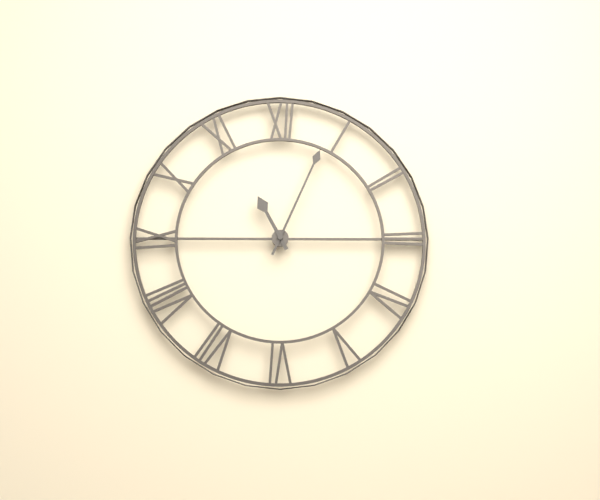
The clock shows h=11 m=4
